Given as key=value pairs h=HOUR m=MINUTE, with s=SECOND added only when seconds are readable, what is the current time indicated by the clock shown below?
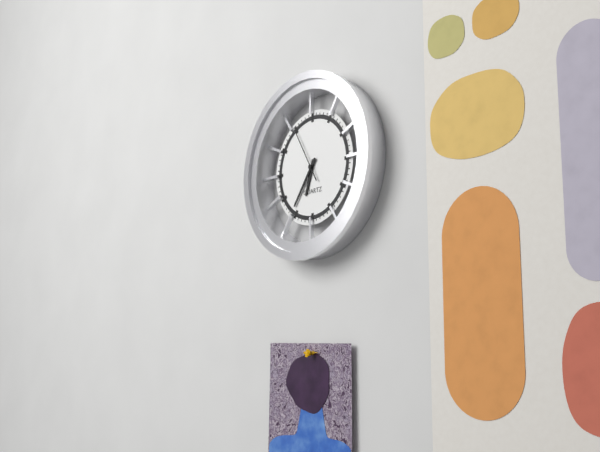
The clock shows h=6 m=36
